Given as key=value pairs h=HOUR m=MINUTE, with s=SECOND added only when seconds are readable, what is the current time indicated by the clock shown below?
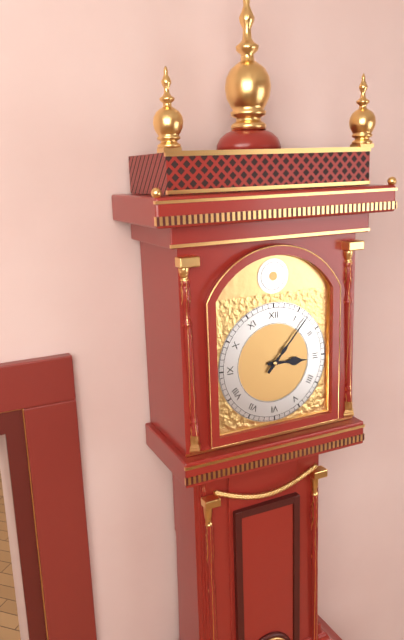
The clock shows h=3 m=7
